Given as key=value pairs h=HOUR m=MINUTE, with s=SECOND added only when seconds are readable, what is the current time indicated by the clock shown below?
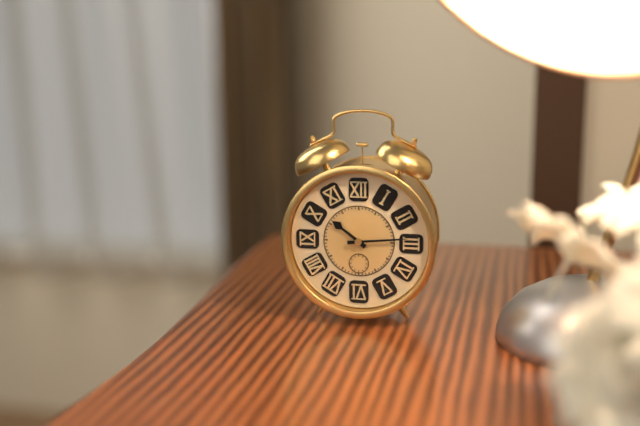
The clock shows h=10 m=14
